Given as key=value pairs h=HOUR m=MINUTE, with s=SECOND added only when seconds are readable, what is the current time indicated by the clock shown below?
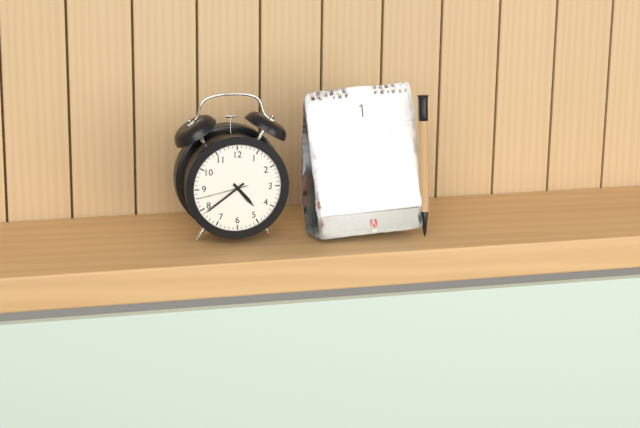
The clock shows h=4 m=39 s=43
